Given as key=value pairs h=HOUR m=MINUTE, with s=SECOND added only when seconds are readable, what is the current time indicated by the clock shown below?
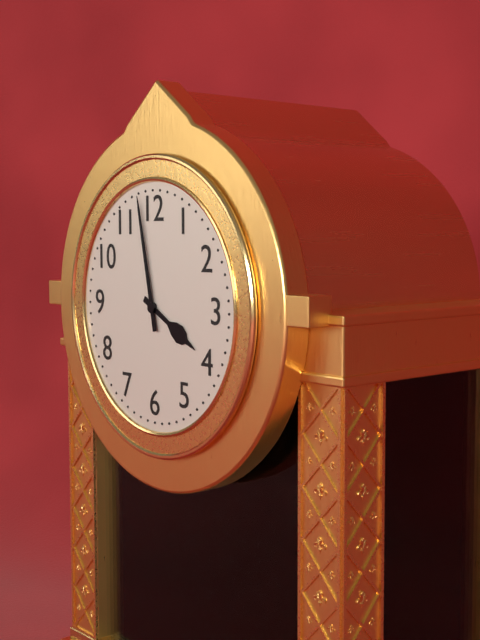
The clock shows h=3 m=58
